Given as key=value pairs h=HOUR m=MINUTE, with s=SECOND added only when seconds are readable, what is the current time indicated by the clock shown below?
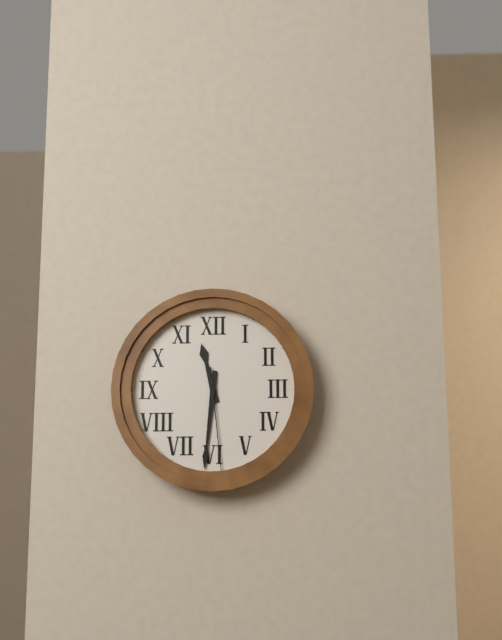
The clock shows h=11 m=31 s=29
